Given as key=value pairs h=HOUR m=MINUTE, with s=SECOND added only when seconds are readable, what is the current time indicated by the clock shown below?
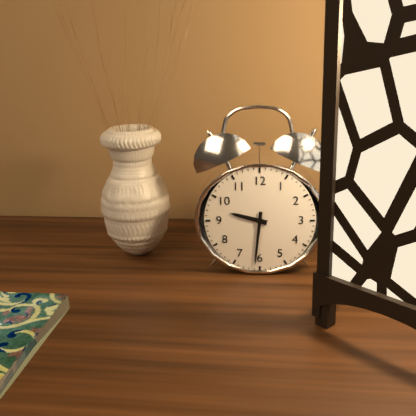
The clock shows h=9 m=31
